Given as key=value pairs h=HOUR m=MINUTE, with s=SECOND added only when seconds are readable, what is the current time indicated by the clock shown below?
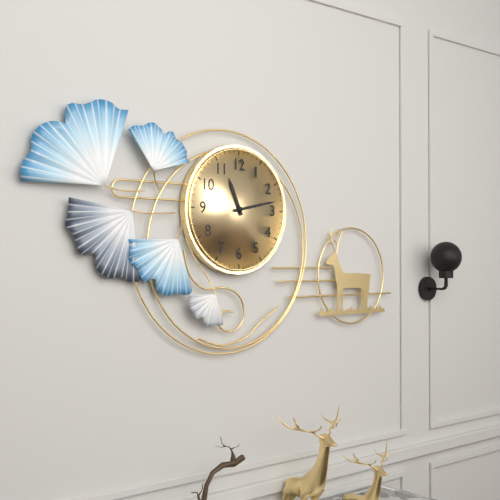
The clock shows h=11 m=13
